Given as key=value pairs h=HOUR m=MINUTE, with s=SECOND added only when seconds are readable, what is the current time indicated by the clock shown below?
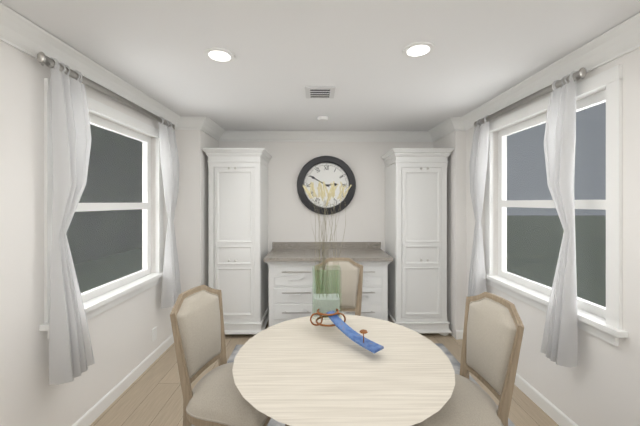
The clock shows h=2 m=50
